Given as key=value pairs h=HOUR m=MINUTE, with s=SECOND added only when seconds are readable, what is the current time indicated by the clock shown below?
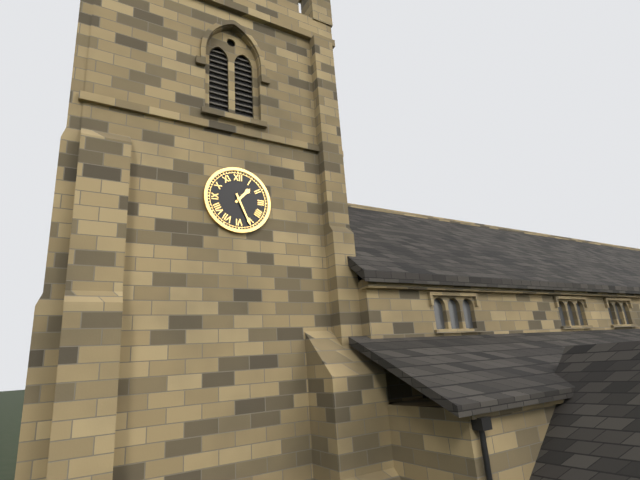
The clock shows h=1 m=26
